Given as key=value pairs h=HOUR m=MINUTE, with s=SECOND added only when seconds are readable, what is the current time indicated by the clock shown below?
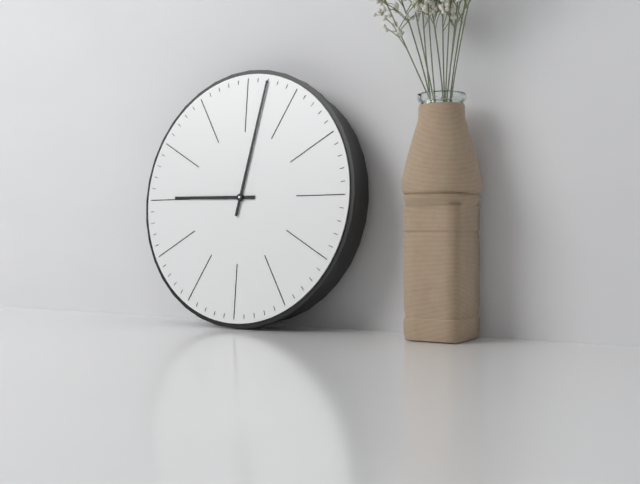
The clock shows h=9 m=2
